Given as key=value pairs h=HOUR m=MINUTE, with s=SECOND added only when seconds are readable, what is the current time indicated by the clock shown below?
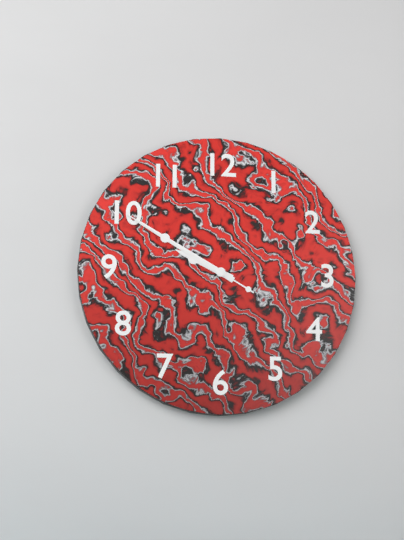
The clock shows h=9 m=50 s=50
